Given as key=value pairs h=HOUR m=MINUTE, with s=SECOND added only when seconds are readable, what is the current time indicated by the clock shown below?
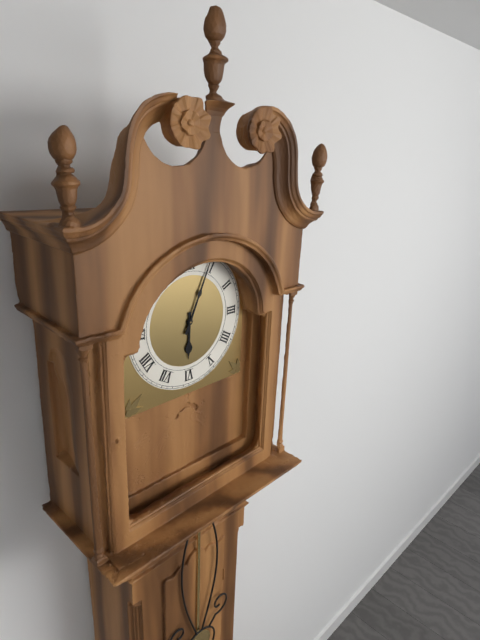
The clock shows h=6 m=4
